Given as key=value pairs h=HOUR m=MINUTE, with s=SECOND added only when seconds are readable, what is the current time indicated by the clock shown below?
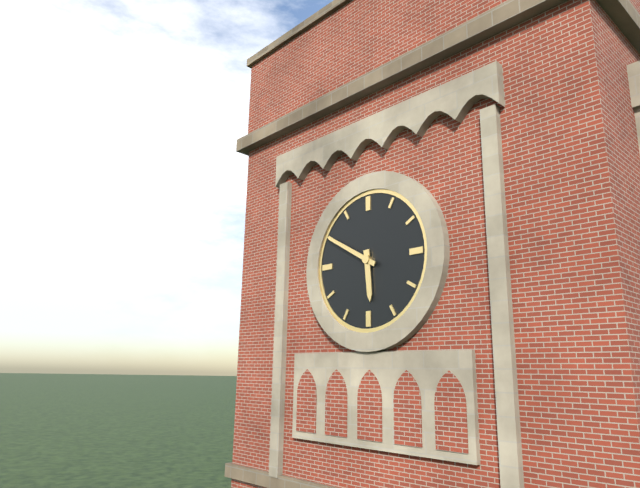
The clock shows h=5 m=50
